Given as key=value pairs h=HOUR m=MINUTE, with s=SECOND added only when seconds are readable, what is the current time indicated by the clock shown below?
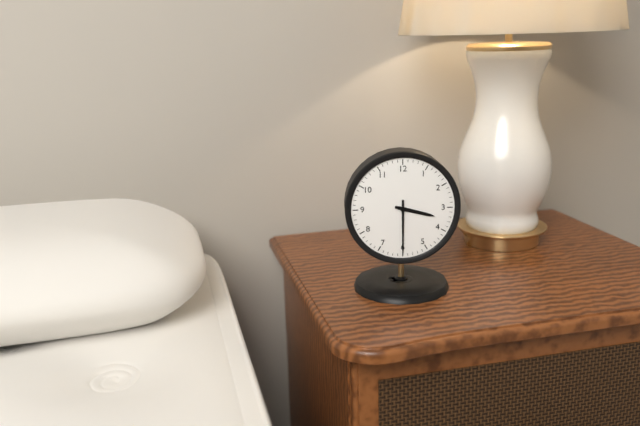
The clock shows h=3 m=30
